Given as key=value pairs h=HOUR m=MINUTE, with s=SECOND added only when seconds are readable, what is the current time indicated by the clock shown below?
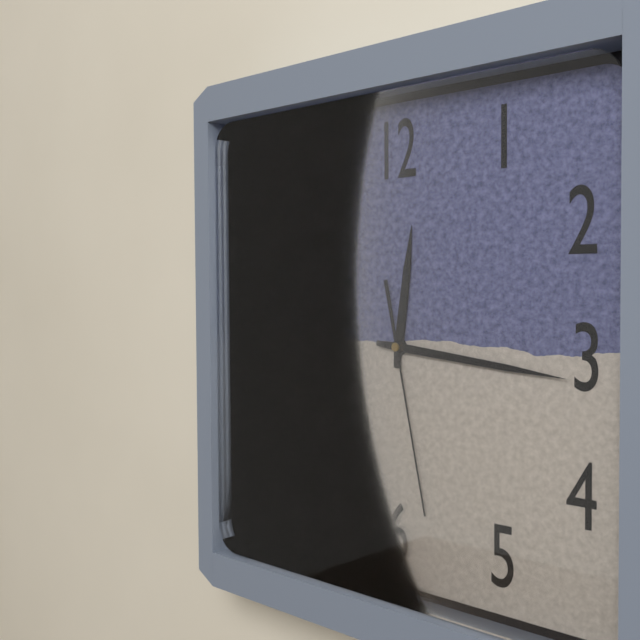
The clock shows h=12 m=16 s=28
